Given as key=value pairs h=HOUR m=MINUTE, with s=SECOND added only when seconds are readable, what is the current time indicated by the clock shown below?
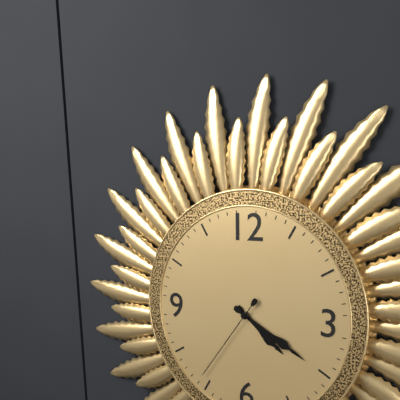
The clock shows h=4 m=20 s=36
